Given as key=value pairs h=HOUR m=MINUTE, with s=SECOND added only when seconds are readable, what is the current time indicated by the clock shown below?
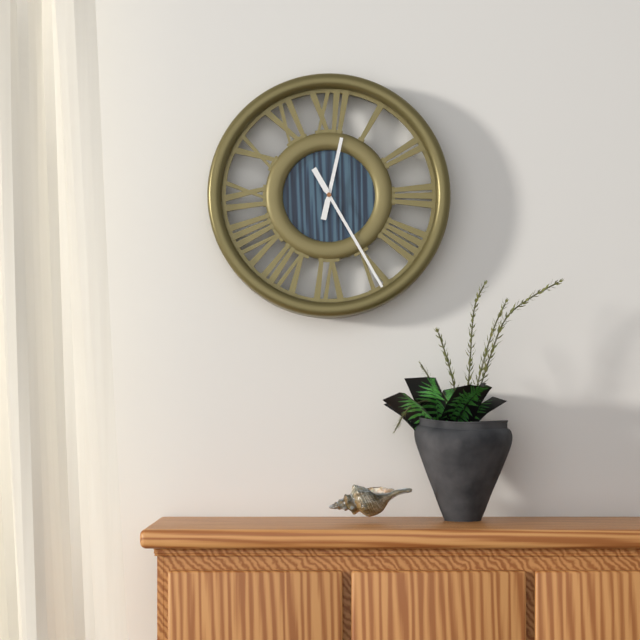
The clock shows h=12 m=25
